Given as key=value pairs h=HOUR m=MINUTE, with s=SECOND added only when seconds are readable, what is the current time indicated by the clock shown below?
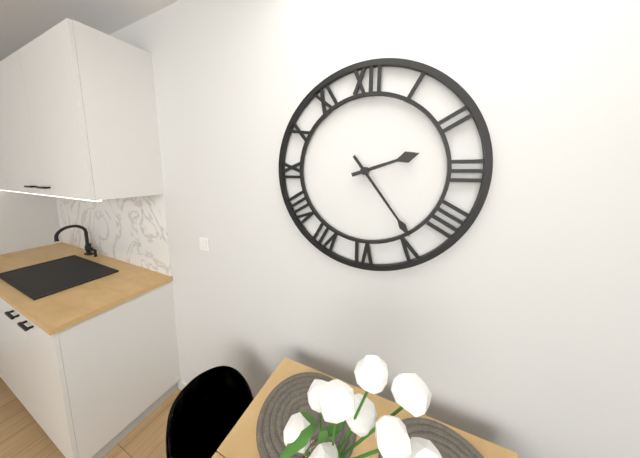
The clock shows h=2 m=24
